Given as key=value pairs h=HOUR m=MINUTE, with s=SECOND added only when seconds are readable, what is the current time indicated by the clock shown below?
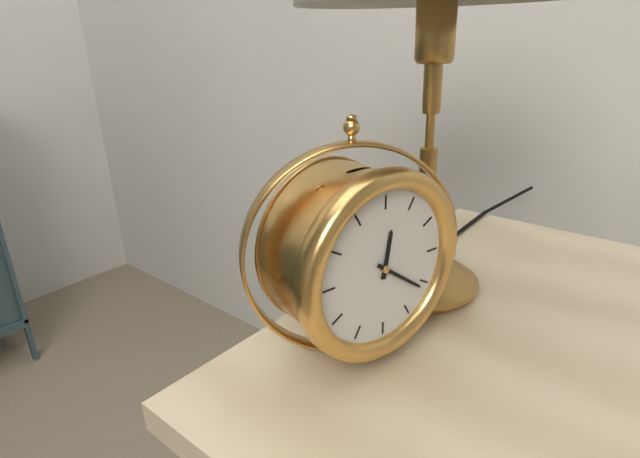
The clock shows h=12 m=21
